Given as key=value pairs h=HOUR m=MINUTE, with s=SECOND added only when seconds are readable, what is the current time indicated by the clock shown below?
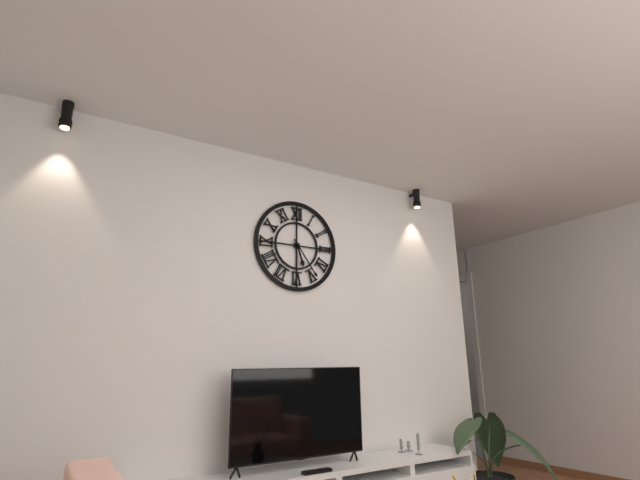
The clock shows h=5 m=24
